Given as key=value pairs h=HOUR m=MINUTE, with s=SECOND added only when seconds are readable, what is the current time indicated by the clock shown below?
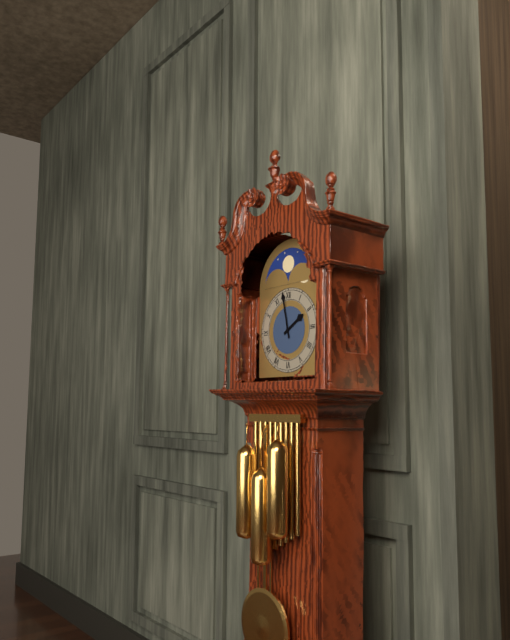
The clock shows h=1 m=58
